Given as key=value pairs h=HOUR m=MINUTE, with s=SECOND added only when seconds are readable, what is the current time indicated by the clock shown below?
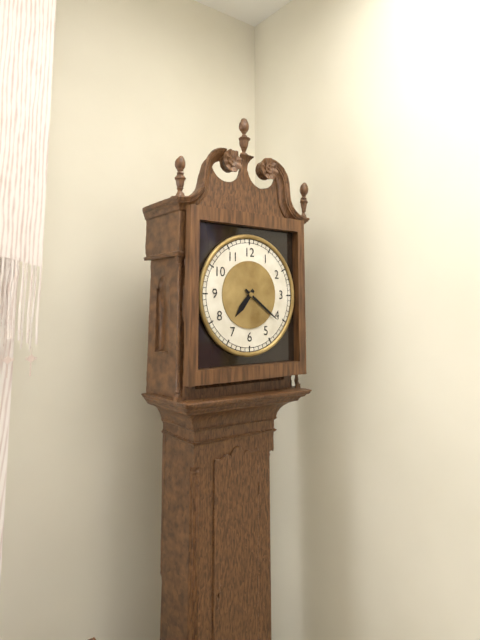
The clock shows h=7 m=21
